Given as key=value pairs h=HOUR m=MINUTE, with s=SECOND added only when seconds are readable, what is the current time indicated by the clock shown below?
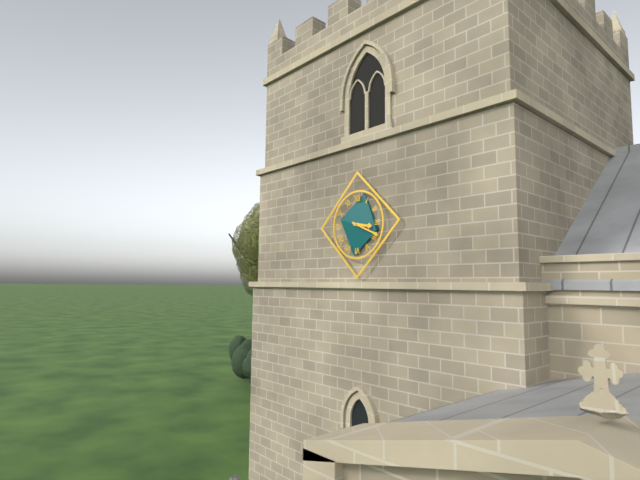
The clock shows h=3 m=19
